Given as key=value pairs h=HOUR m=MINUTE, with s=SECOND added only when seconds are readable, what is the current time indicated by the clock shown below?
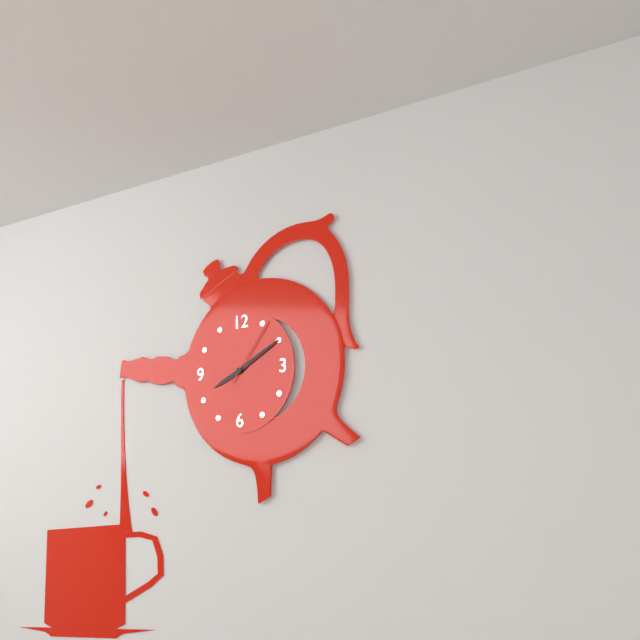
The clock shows h=8 m=10 s=6
